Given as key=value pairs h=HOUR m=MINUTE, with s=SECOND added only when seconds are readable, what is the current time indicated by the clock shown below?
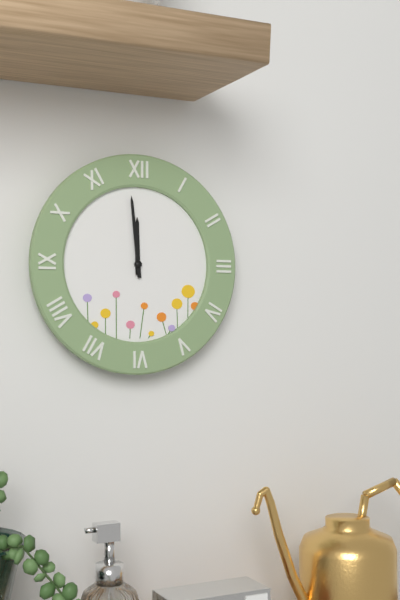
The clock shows h=11 m=59
